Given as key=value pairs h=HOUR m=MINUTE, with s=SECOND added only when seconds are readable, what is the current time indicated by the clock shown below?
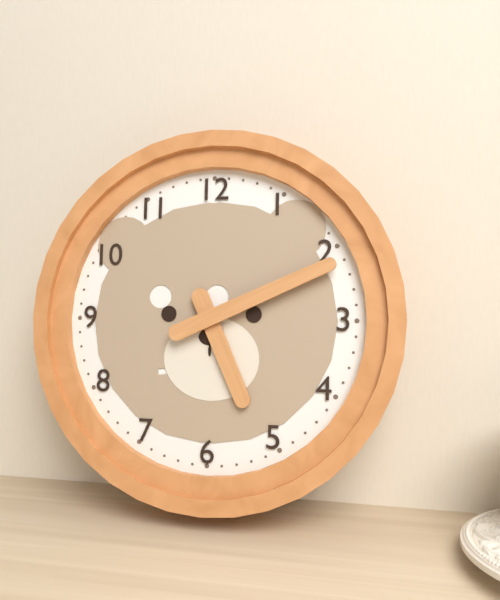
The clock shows h=5 m=11
